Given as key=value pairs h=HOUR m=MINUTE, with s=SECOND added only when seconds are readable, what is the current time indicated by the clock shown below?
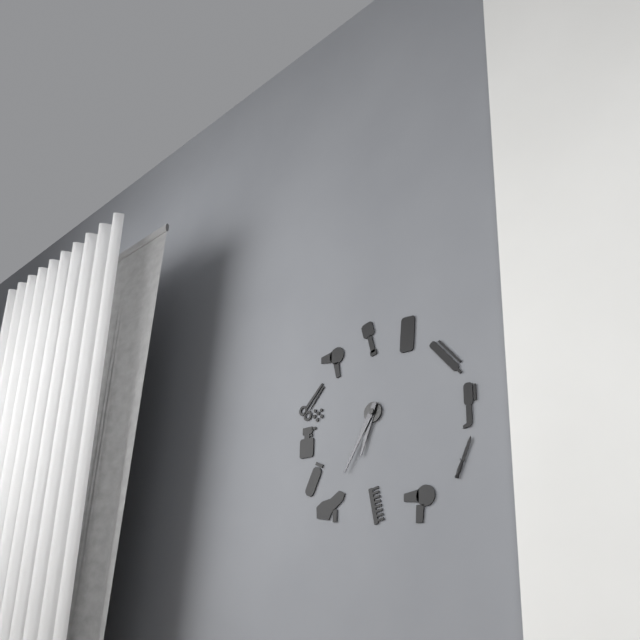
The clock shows h=6 m=35
